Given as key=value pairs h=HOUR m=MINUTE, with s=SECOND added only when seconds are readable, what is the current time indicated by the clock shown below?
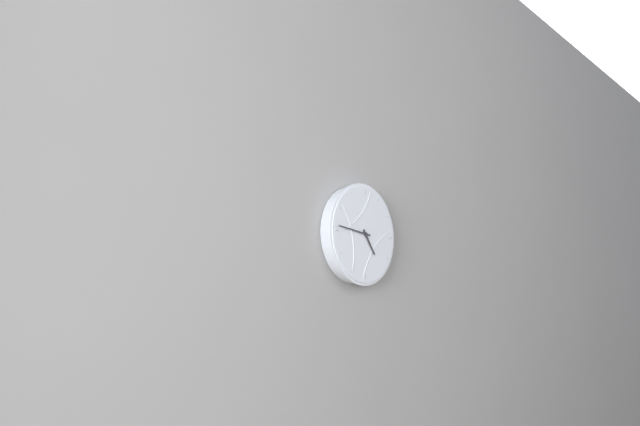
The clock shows h=4 m=46
